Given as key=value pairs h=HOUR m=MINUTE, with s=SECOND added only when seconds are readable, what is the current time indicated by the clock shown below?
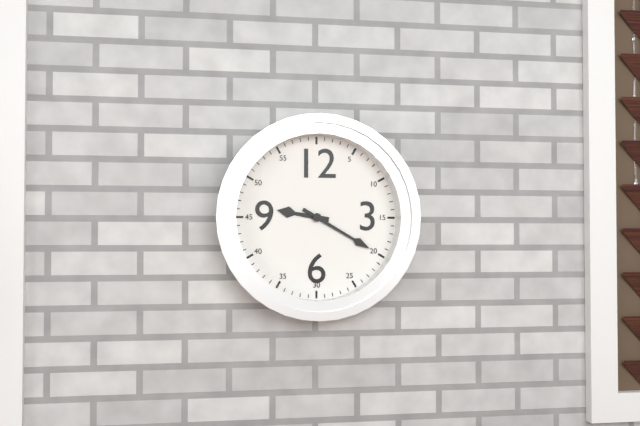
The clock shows h=9 m=20
